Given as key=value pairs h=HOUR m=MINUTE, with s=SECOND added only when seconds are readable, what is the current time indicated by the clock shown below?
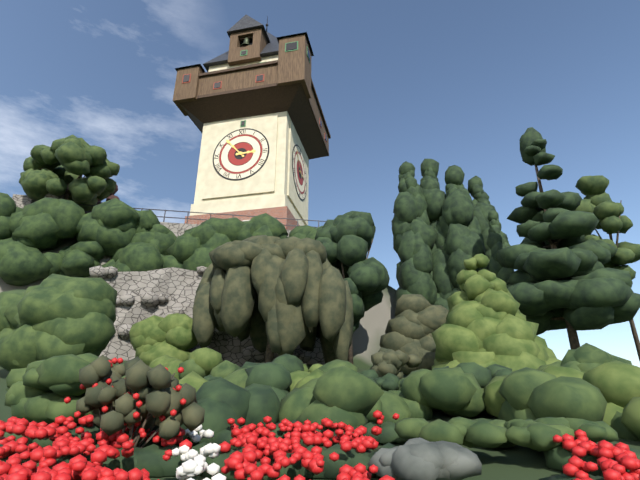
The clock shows h=2 m=53
